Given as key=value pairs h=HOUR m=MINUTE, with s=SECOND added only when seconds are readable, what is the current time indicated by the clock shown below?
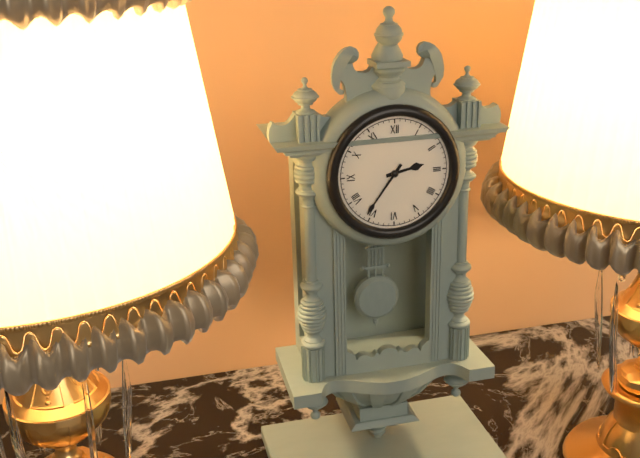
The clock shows h=2 m=36
